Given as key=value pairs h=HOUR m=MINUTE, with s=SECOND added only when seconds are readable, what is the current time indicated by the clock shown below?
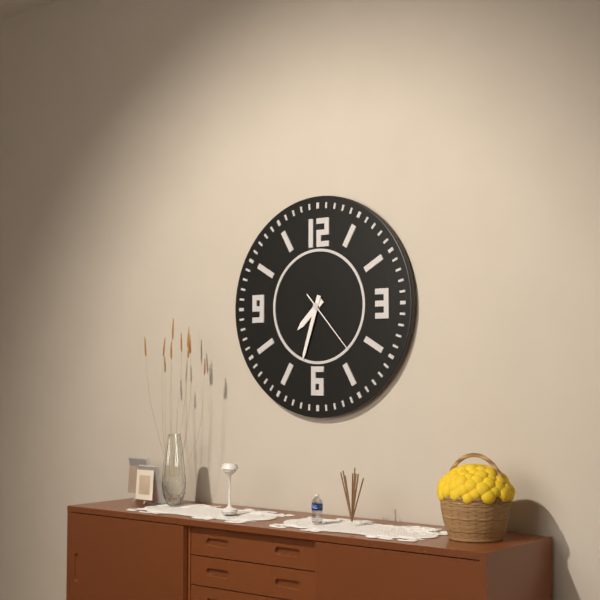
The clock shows h=7 m=33 s=23
